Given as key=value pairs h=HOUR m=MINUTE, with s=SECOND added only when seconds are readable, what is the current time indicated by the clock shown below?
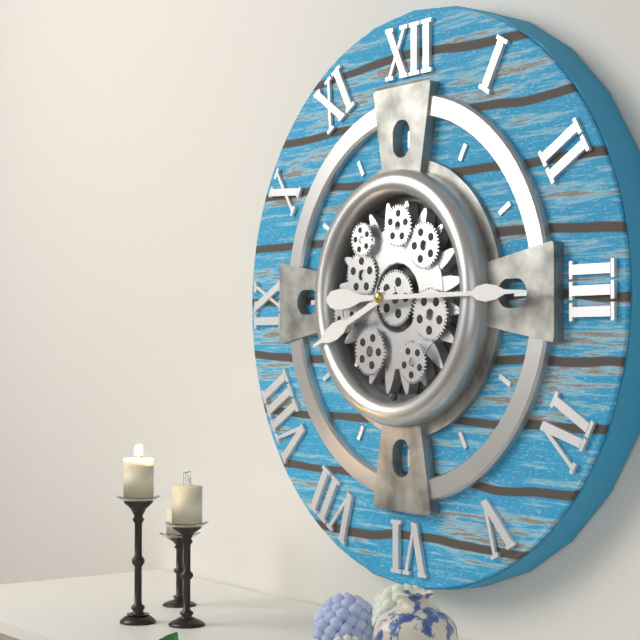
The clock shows h=8 m=15
